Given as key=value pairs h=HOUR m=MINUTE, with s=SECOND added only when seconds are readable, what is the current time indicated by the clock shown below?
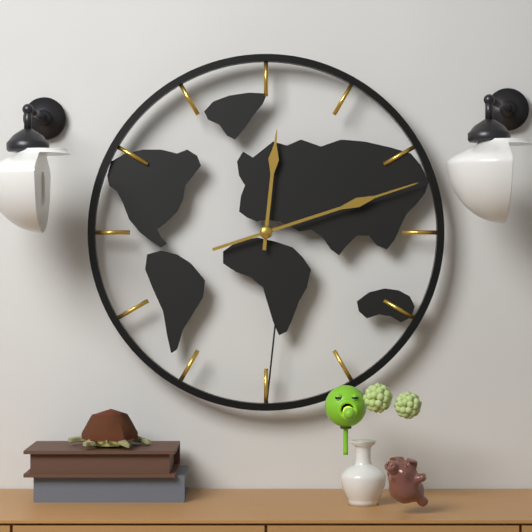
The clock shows h=12 m=12
